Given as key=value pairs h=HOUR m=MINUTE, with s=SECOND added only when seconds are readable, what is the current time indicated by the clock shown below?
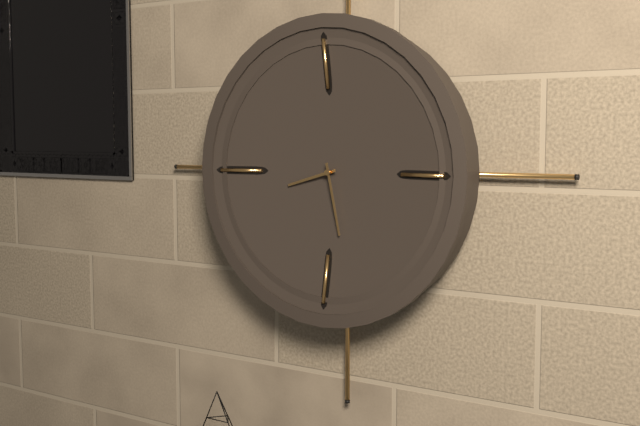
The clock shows h=8 m=28
